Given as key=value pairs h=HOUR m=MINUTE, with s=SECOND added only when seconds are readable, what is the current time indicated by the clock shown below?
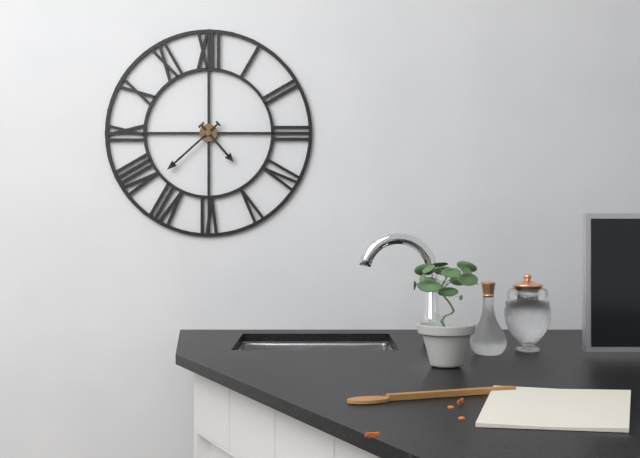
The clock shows h=4 m=38
